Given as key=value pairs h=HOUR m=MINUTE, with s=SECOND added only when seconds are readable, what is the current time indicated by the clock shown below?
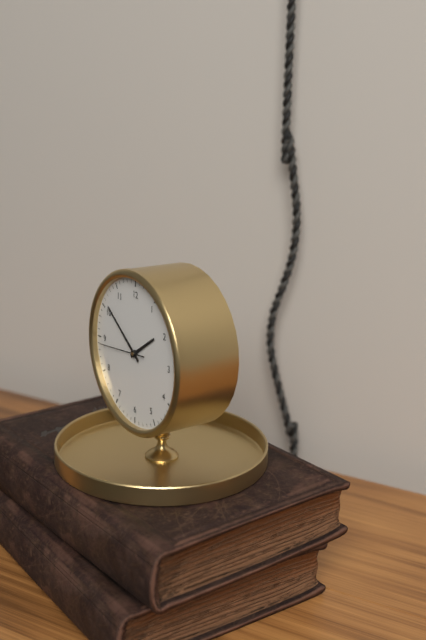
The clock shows h=1 m=51
